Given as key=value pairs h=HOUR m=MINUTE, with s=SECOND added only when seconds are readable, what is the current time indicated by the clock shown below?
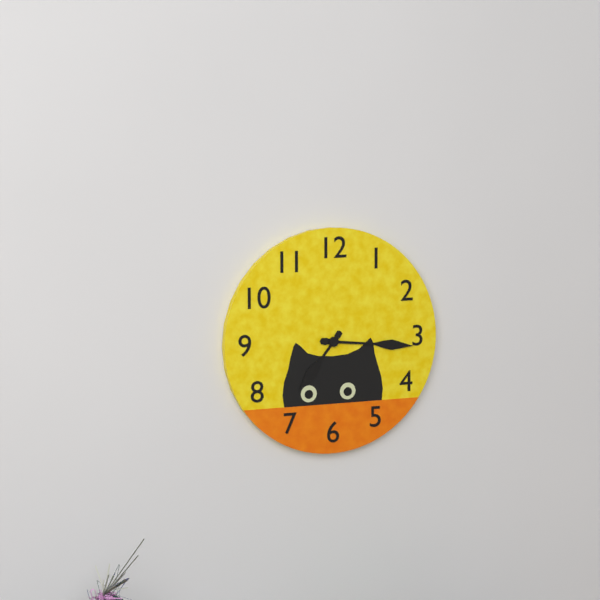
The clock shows h=7 m=16
